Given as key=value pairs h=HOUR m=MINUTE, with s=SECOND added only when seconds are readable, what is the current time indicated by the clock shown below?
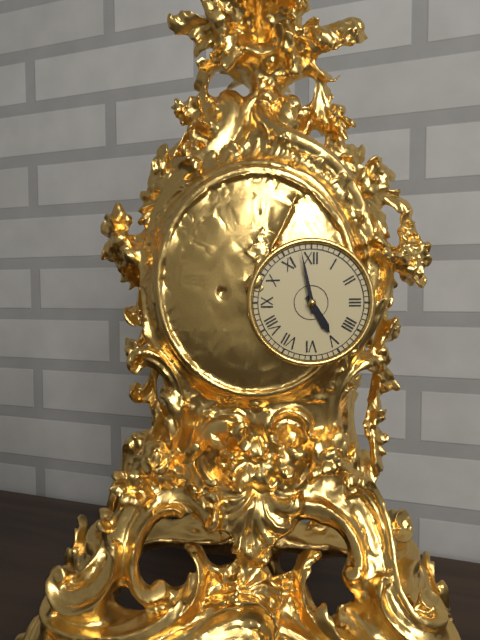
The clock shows h=4 m=58
